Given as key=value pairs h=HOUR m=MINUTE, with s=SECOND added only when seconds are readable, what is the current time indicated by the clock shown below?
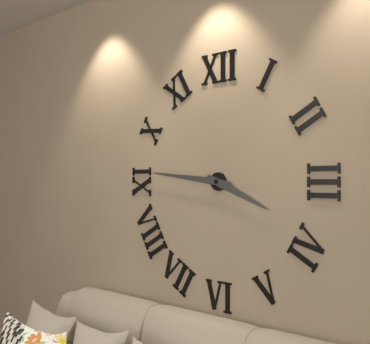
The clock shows h=3 m=46
